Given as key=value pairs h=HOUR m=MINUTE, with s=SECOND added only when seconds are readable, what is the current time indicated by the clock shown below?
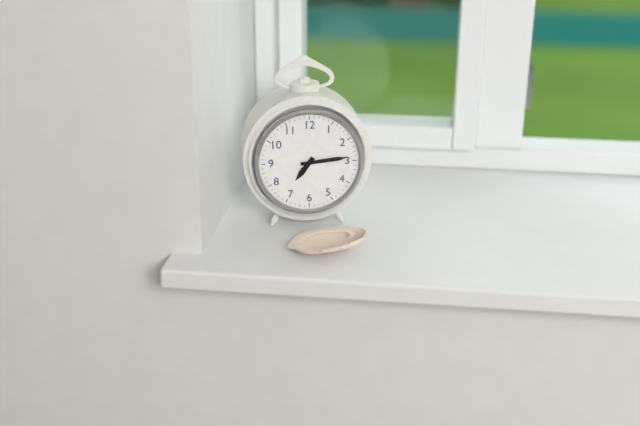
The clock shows h=7 m=14
